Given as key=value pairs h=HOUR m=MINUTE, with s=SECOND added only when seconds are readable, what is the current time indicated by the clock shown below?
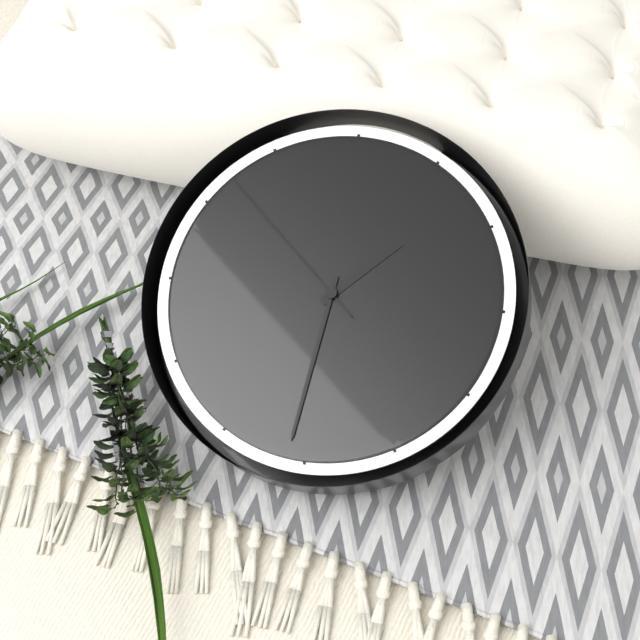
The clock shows h=1 m=31 s=52
